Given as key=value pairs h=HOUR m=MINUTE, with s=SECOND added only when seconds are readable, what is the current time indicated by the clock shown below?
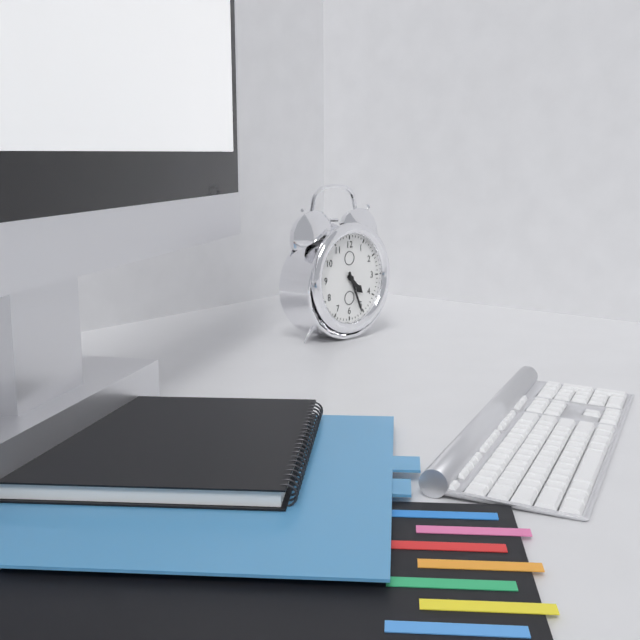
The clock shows h=4 m=26
